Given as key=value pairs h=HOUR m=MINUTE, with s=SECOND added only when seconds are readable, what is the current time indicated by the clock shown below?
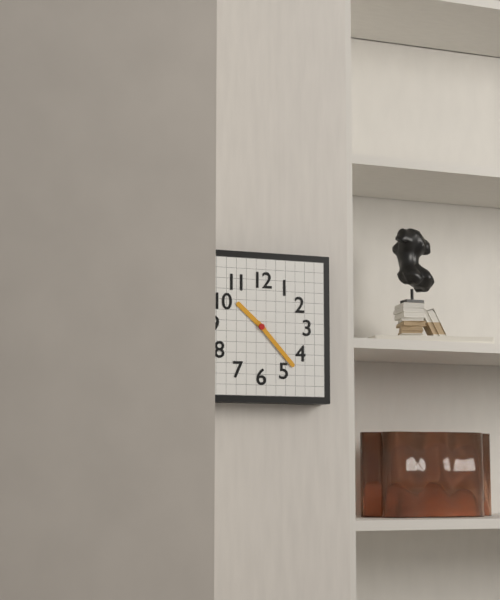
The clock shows h=10 m=23
